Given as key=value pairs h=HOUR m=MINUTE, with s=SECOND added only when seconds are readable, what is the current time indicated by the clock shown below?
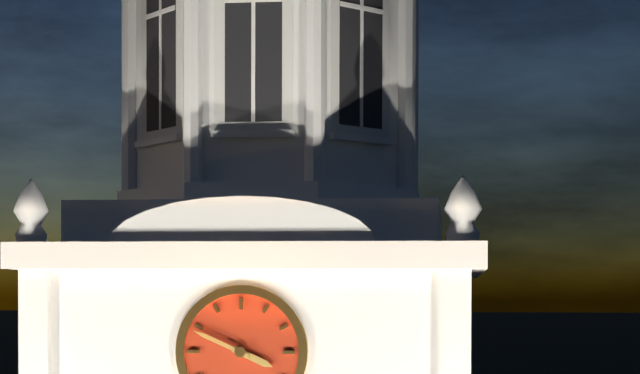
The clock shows h=3 m=49
